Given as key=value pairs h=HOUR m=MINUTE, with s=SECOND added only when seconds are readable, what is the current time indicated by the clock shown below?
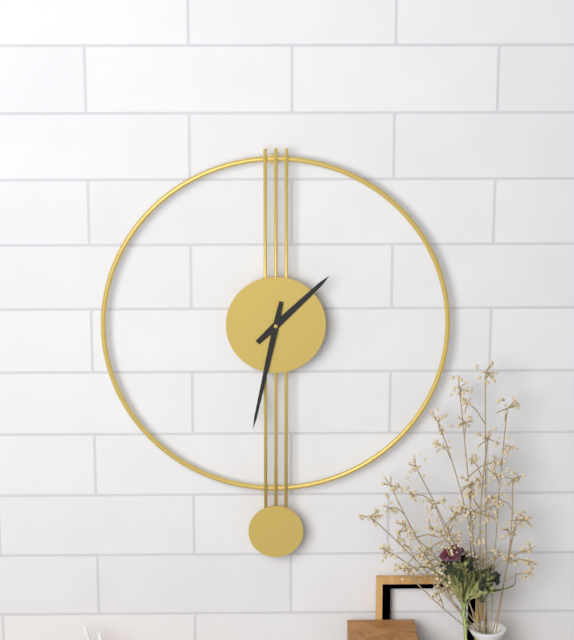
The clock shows h=1 m=32
